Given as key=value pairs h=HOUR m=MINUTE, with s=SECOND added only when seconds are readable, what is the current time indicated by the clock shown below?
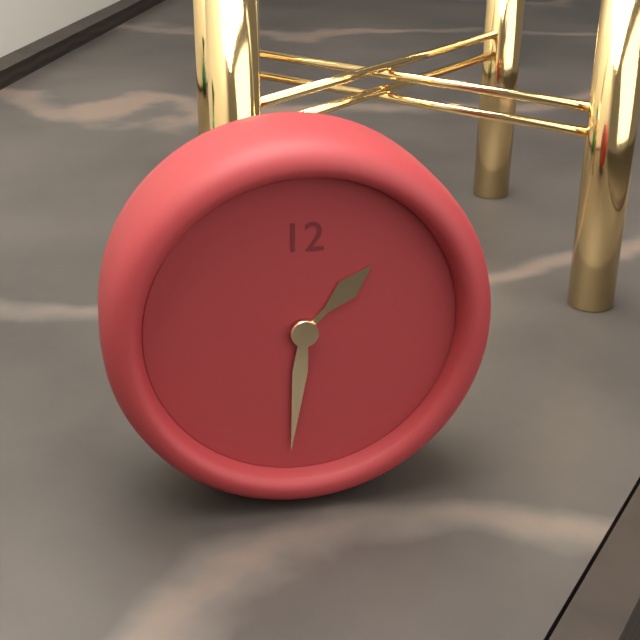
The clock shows h=1 m=31
